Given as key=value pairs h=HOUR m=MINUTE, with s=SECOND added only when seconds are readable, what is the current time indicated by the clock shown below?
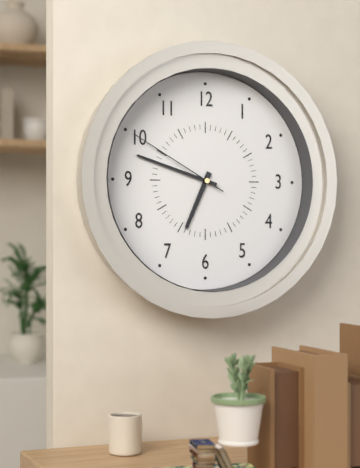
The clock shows h=6 m=48 s=50
